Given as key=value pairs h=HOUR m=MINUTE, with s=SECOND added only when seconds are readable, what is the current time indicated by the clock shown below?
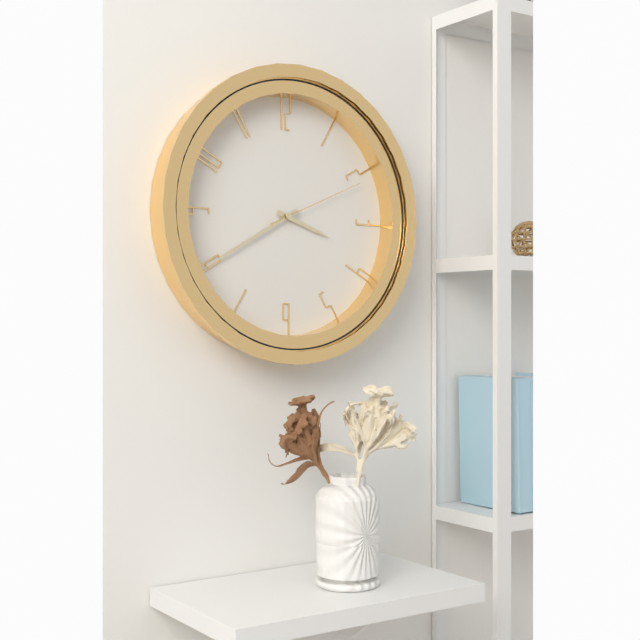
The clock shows h=3 m=40 s=11
